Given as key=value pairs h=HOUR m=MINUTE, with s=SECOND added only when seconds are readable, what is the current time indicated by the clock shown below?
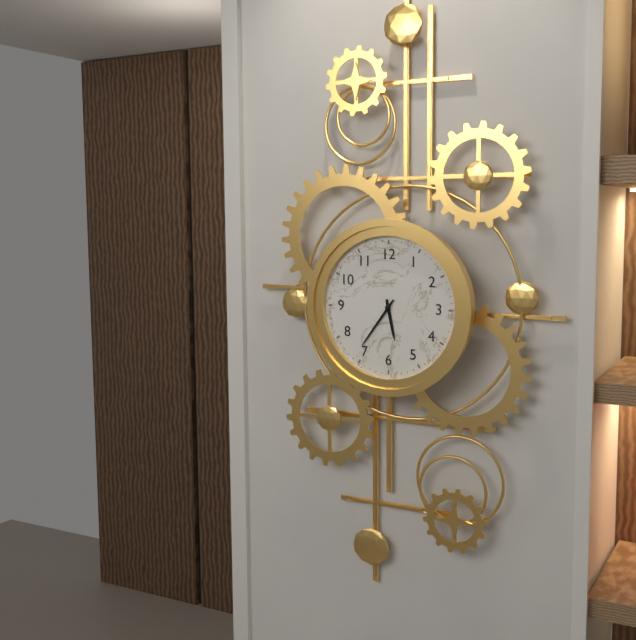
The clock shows h=5 m=36
